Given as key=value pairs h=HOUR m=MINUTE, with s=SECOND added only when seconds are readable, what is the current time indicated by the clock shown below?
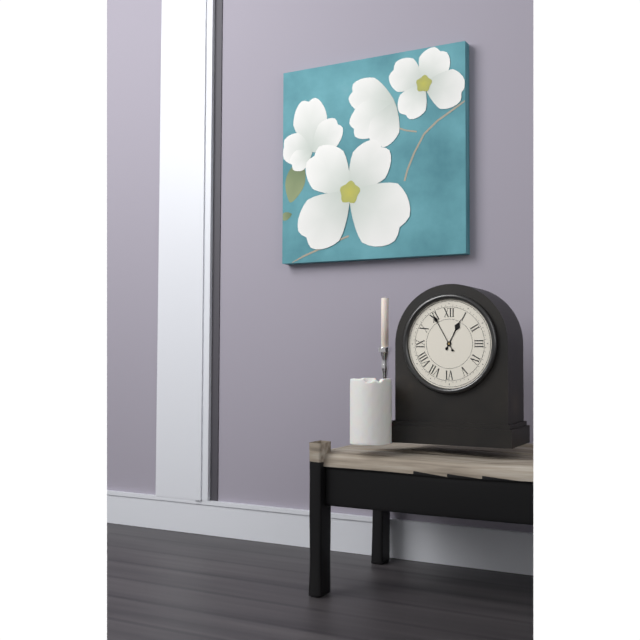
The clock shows h=12 m=55
